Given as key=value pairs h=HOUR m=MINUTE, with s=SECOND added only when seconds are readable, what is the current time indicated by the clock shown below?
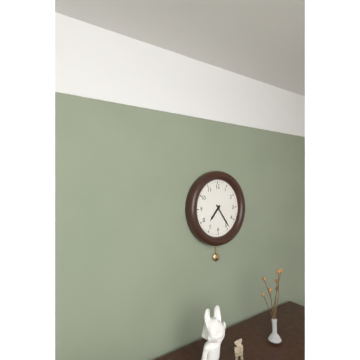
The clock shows h=7 m=24
